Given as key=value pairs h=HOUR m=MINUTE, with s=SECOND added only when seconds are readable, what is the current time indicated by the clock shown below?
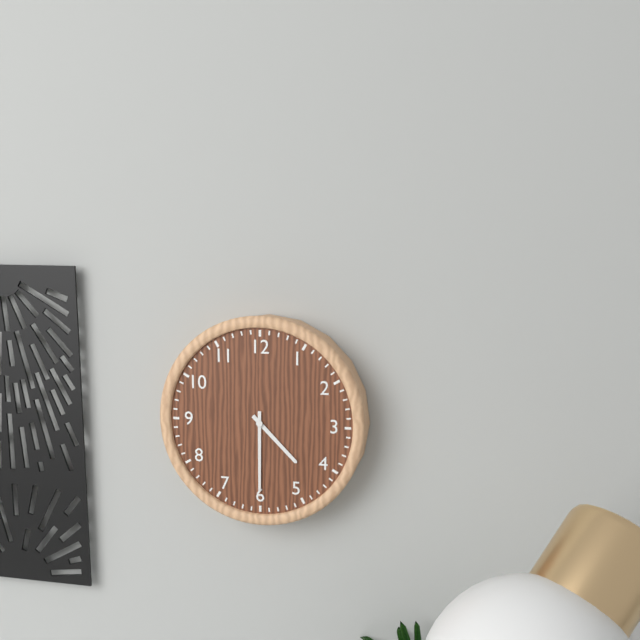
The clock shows h=4 m=30
